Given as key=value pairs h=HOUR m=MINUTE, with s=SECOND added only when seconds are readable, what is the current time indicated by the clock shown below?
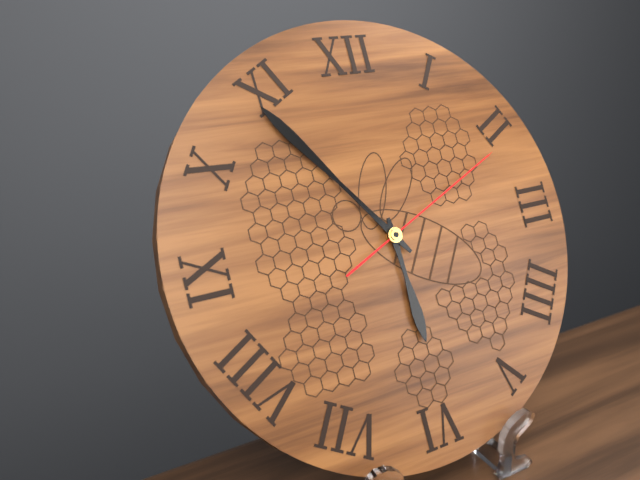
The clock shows h=5 m=54 s=11
